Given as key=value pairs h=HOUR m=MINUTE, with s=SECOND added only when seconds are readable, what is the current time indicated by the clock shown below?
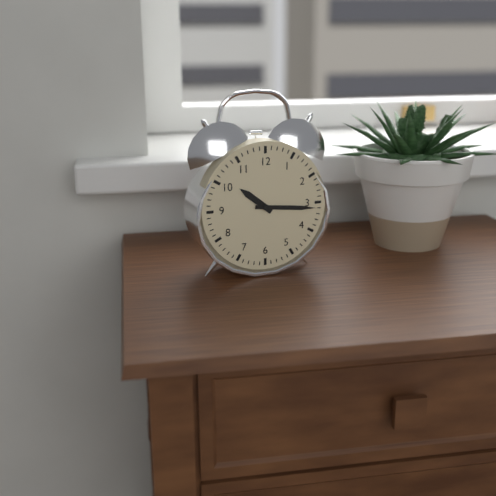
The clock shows h=10 m=16
